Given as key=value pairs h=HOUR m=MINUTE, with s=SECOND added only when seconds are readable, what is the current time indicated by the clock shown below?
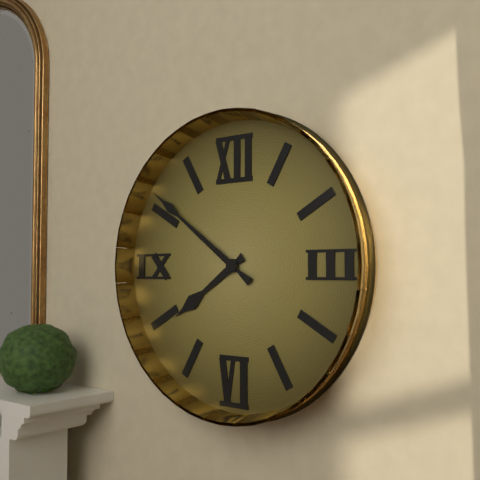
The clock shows h=7 m=51
